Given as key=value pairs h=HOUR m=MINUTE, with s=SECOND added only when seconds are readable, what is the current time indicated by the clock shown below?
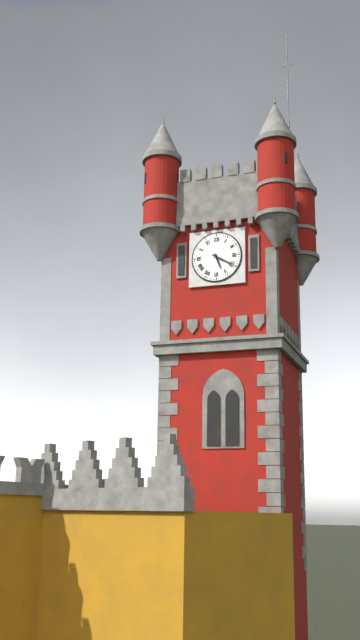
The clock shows h=5 m=20
